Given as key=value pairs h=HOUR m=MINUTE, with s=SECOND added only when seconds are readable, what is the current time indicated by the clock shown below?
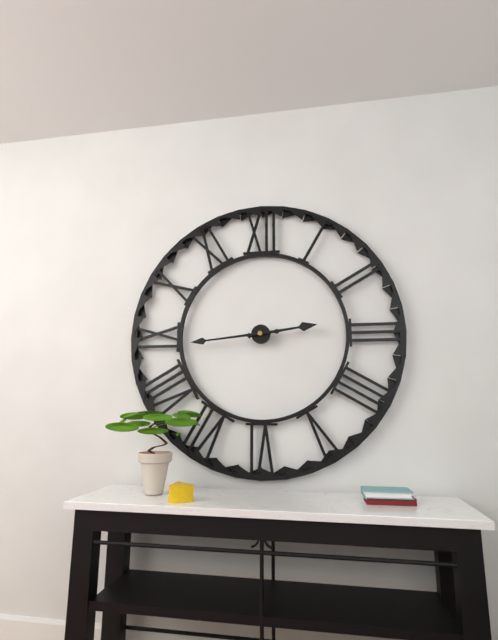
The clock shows h=2 m=44
